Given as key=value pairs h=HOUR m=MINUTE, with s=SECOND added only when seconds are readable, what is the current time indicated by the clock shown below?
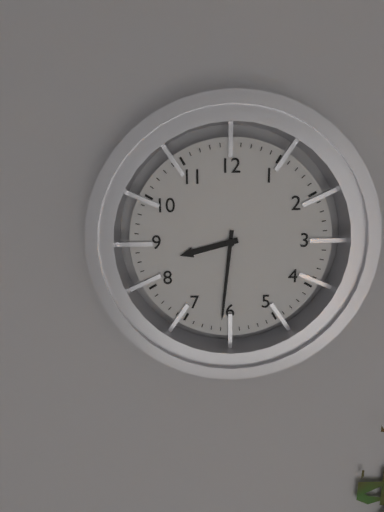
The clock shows h=8 m=31
